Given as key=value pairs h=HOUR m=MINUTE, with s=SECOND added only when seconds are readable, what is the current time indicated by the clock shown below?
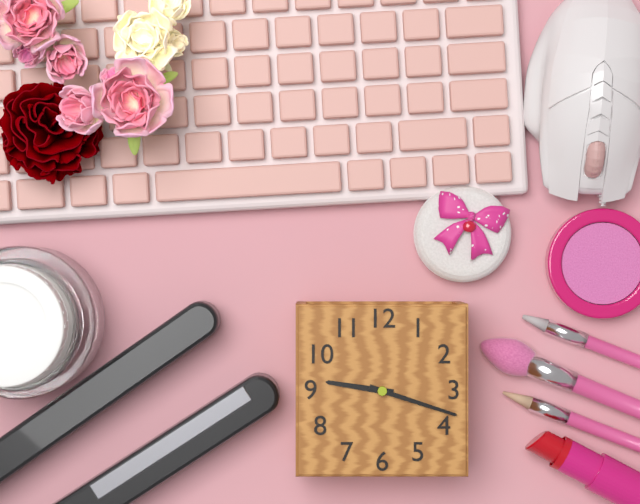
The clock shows h=9 m=18
